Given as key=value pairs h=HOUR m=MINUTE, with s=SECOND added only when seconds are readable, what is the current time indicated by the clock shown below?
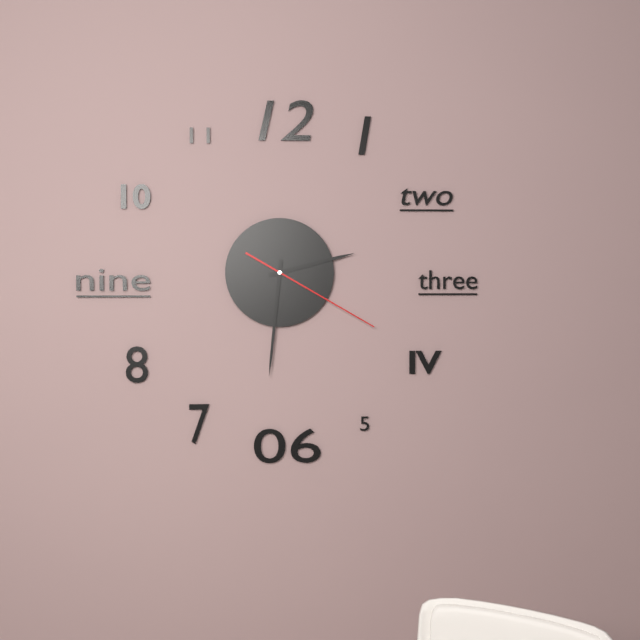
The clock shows h=2 m=31 s=20
